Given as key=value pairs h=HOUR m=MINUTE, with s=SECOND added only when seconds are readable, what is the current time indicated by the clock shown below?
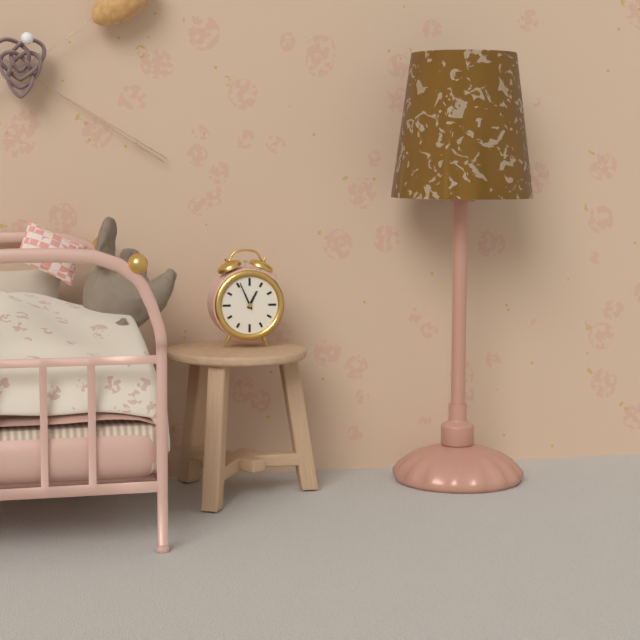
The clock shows h=12 m=56
